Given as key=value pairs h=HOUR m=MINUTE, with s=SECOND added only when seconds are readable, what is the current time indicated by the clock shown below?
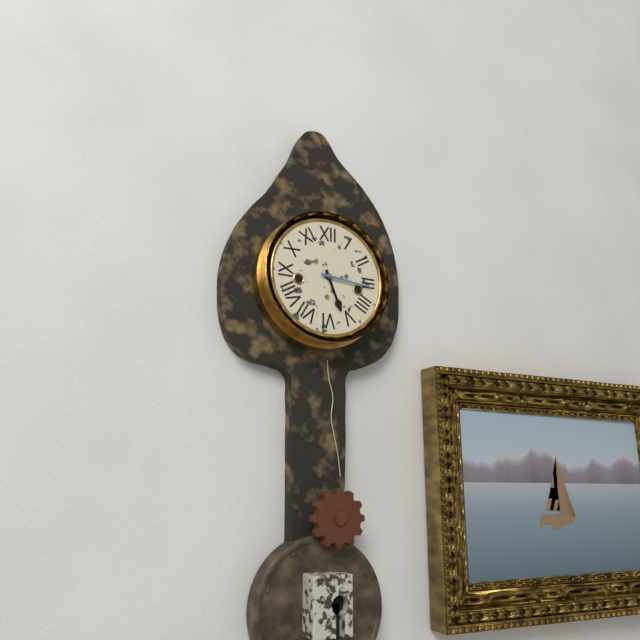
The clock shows h=5 m=16
